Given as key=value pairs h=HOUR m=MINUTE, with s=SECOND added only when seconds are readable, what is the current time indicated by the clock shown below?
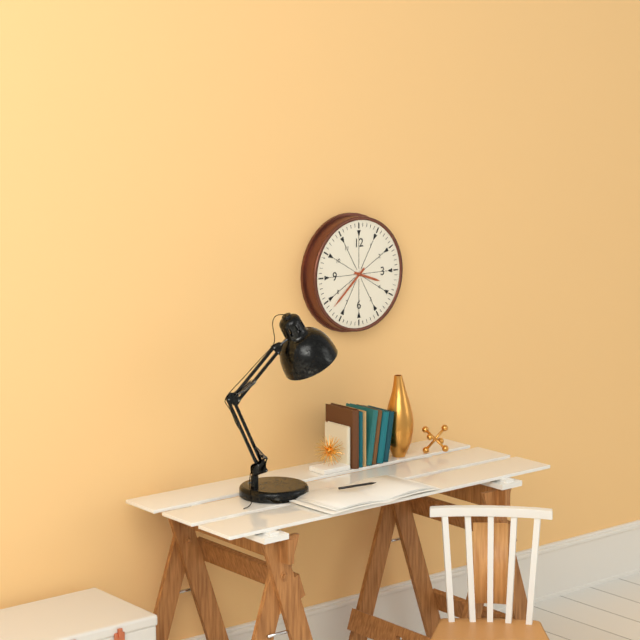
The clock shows h=3 m=38
